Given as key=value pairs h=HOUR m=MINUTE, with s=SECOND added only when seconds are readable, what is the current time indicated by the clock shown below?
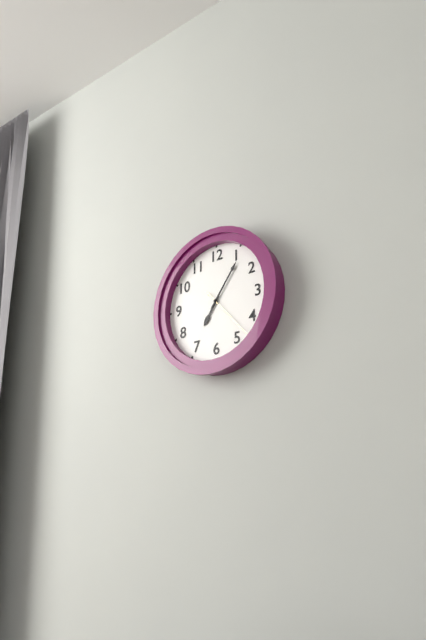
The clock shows h=7 m=6 s=23
